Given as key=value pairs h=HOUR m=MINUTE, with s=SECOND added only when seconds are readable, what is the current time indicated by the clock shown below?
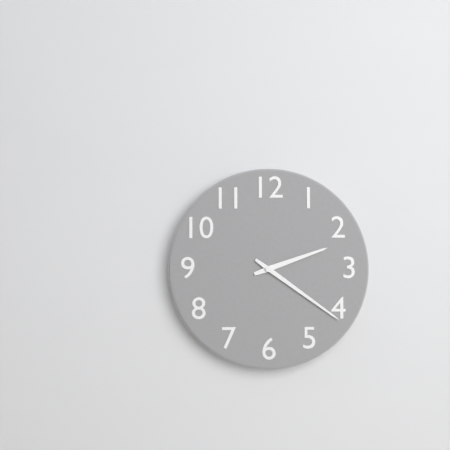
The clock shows h=2 m=21
